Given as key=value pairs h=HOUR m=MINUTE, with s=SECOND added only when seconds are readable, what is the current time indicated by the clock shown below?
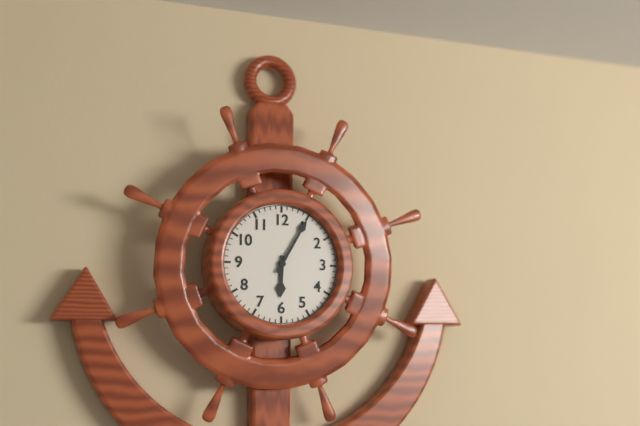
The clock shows h=6 m=5
